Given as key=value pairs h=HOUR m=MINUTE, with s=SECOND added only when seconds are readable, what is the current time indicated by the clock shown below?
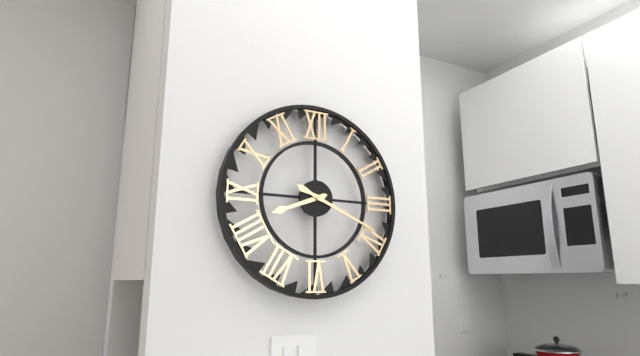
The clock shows h=8 m=19
